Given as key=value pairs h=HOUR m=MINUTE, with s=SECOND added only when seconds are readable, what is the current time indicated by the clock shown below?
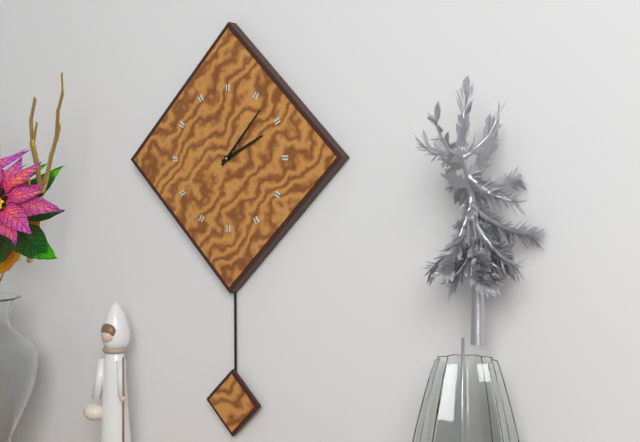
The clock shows h=2 m=7
